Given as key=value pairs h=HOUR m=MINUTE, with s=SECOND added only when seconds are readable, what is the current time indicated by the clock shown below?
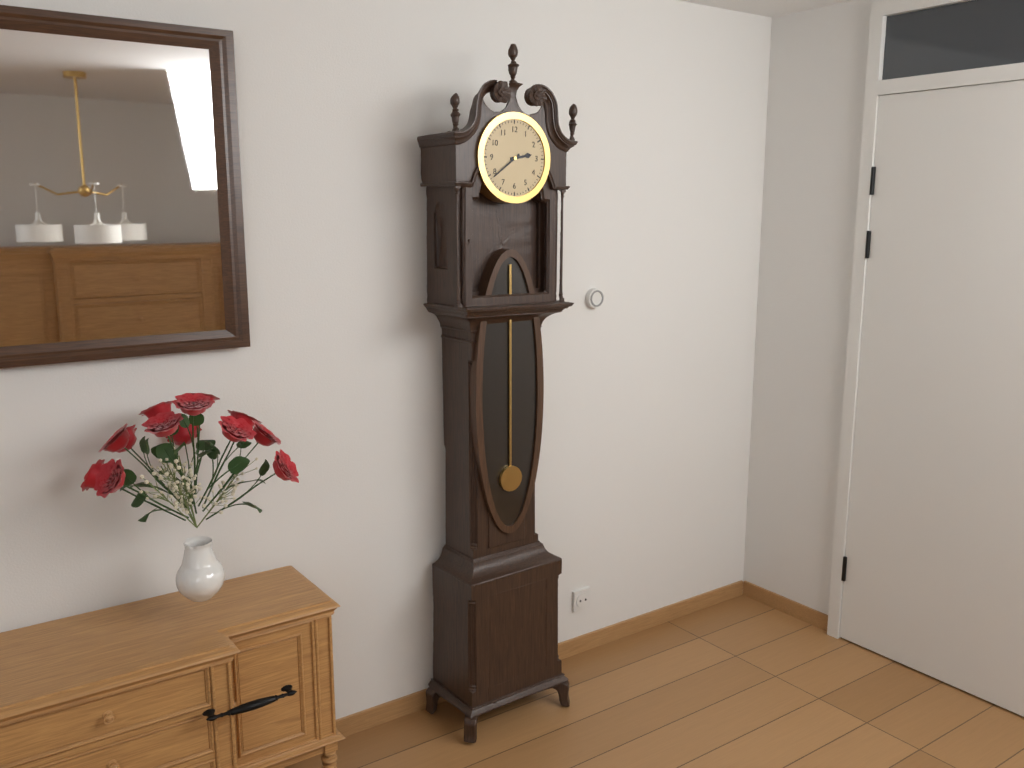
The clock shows h=2 m=39
